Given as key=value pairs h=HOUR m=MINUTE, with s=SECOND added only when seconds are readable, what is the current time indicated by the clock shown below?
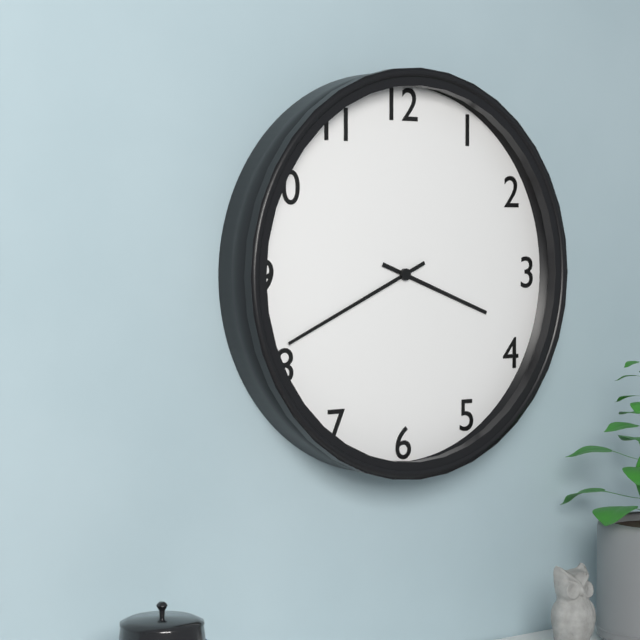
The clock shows h=3 m=41
